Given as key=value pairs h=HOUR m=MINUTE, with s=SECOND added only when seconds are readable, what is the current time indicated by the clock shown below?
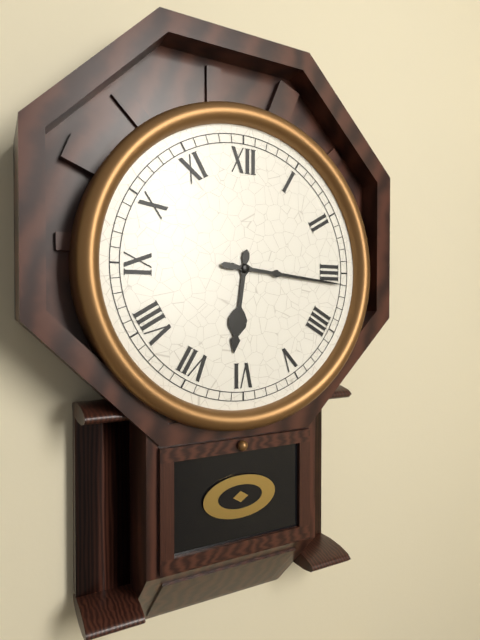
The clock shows h=6 m=16
